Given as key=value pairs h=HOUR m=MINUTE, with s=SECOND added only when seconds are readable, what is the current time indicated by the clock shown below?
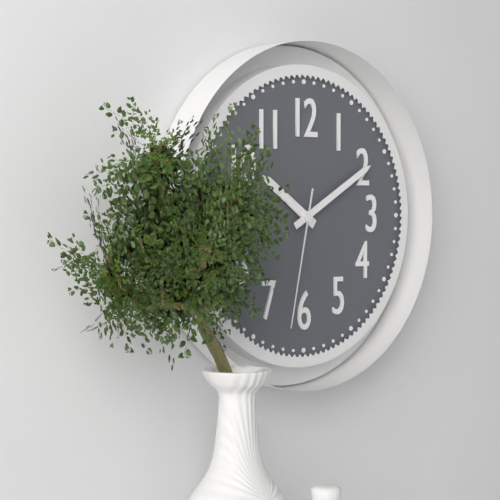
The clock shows h=10 m=10 s=32
